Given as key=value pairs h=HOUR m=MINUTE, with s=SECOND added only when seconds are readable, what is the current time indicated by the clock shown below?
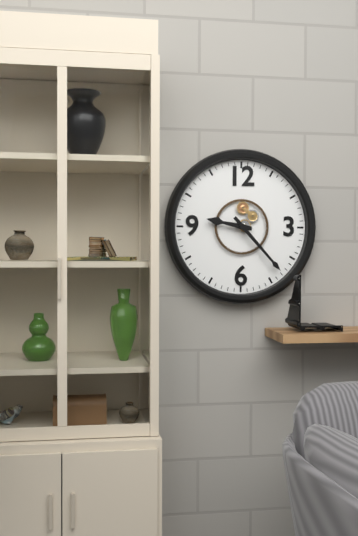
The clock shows h=9 m=23
